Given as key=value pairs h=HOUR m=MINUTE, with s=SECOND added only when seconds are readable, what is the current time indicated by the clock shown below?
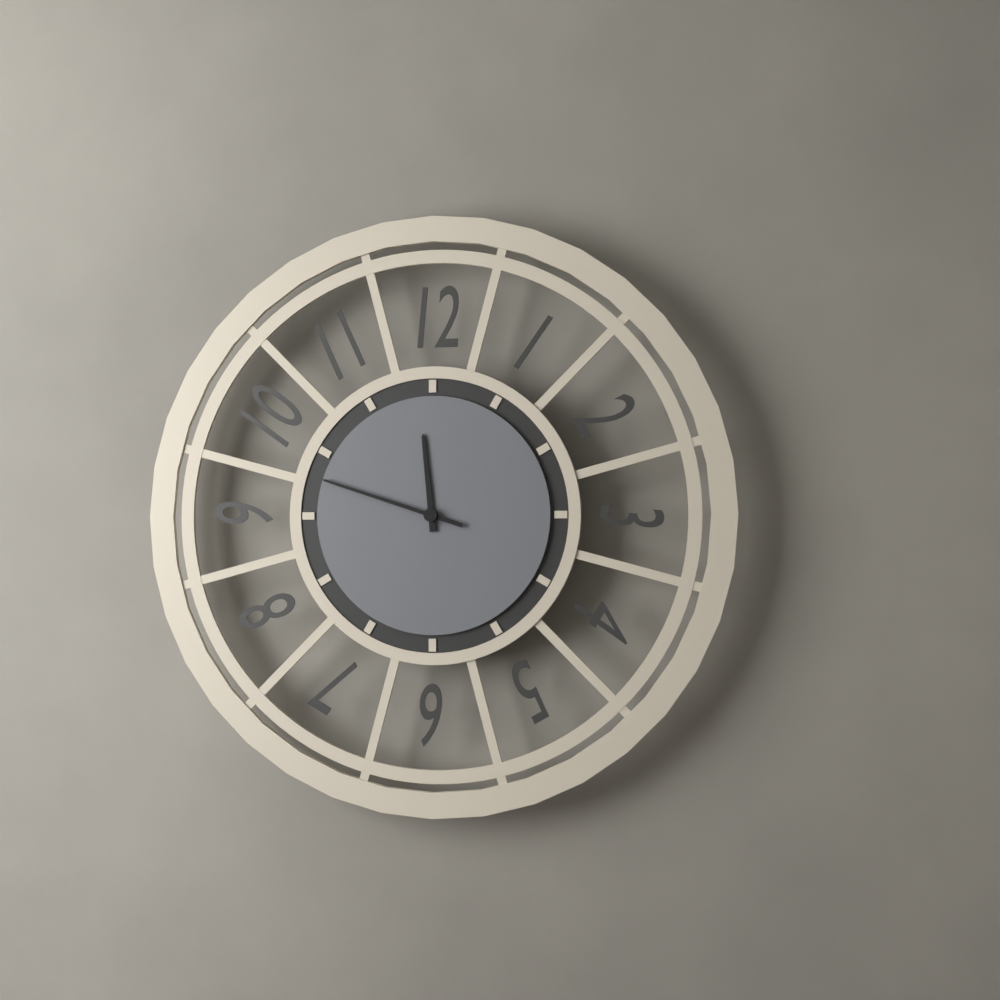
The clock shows h=11 m=48
